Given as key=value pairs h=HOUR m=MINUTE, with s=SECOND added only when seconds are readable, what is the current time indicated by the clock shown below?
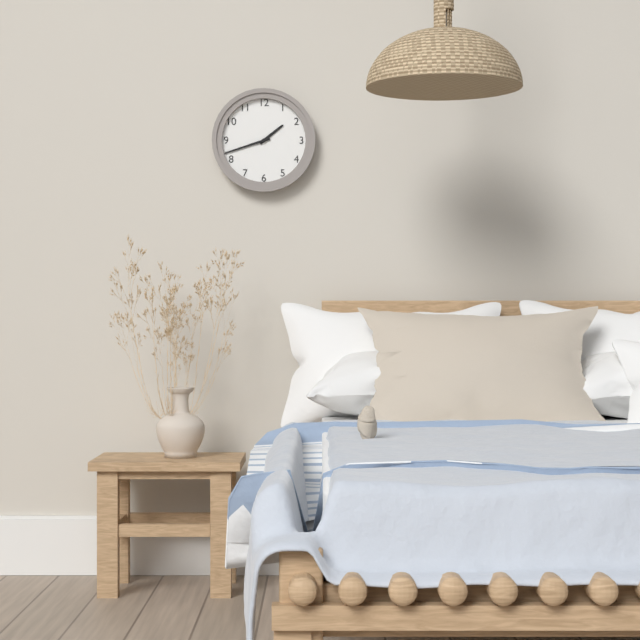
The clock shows h=1 m=42
